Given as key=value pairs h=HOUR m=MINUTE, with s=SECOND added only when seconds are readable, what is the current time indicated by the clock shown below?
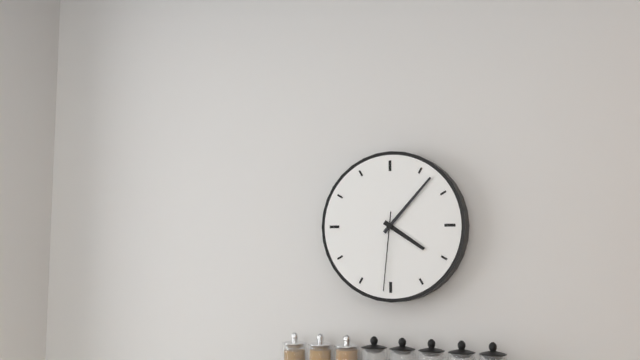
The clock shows h=4 m=7 s=31
